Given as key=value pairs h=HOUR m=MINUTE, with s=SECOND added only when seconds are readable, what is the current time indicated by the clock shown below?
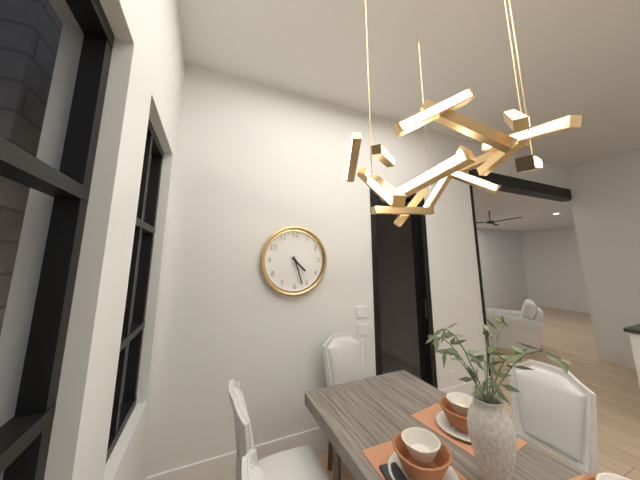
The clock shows h=4 m=27
